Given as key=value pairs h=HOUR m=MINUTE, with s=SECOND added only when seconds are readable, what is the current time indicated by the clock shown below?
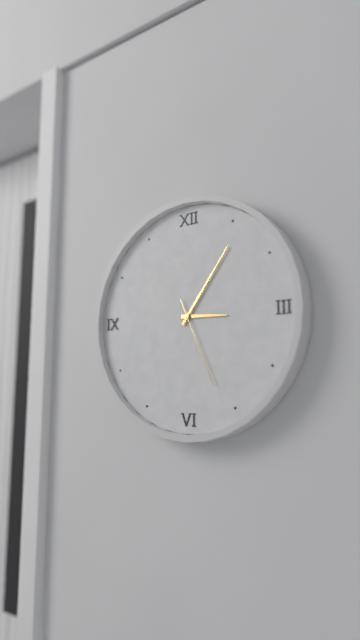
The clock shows h=3 m=6 s=26
